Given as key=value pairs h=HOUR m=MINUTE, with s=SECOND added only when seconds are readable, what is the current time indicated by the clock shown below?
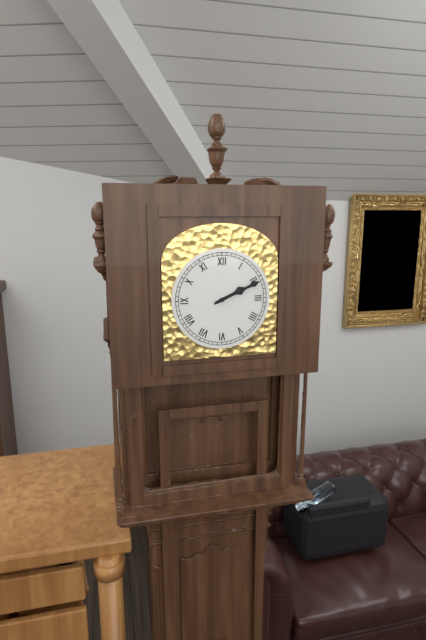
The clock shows h=2 m=11
